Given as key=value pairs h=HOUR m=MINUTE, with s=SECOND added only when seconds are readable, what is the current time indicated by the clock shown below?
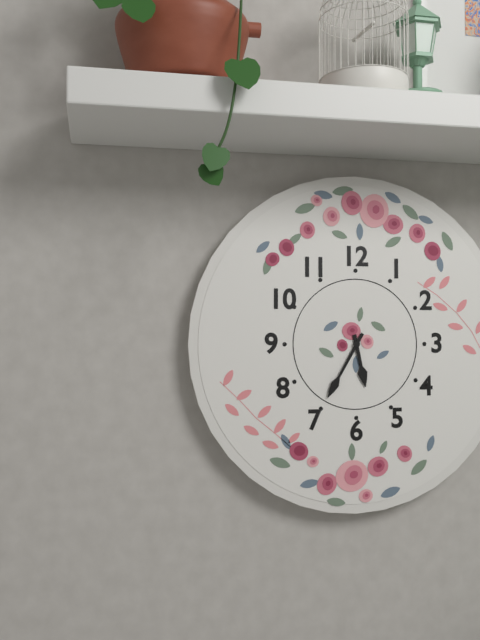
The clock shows h=5 m=35
